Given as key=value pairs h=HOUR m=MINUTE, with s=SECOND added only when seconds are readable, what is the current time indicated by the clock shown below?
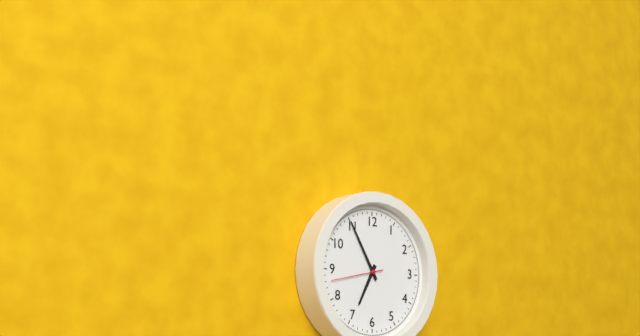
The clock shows h=6 m=55 s=43
